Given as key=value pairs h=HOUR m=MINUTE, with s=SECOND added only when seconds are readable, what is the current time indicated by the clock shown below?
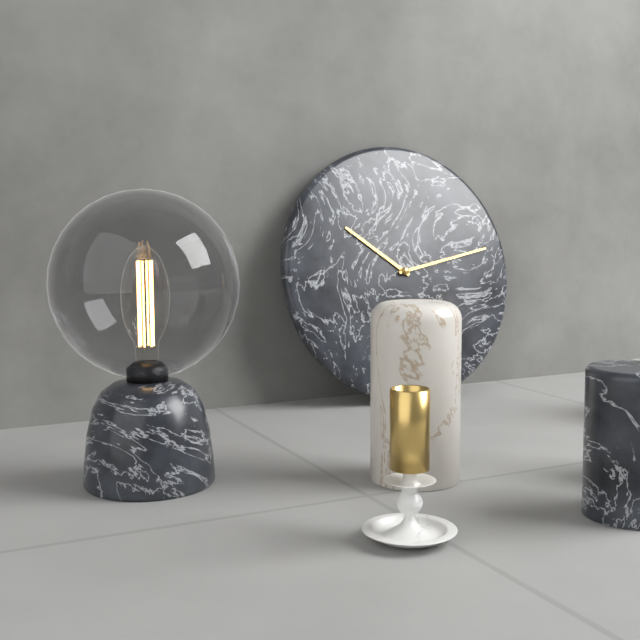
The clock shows h=10 m=13
